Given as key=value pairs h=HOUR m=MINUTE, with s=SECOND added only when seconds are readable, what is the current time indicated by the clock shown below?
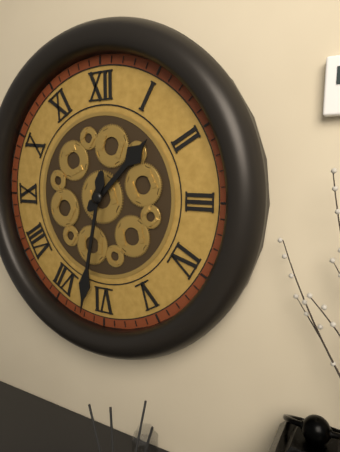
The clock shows h=1 m=32
